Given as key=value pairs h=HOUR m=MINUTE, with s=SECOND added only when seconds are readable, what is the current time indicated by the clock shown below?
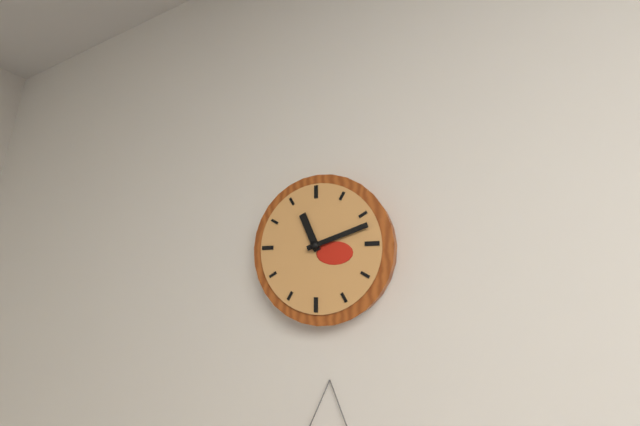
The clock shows h=11 m=12
